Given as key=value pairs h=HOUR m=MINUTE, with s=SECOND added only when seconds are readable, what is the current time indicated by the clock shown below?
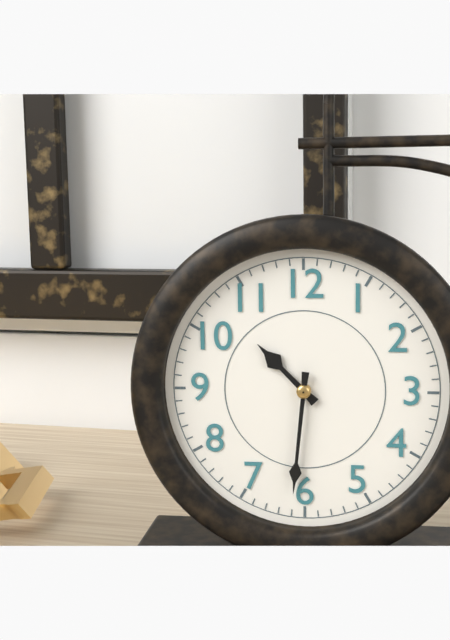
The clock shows h=10 m=31
